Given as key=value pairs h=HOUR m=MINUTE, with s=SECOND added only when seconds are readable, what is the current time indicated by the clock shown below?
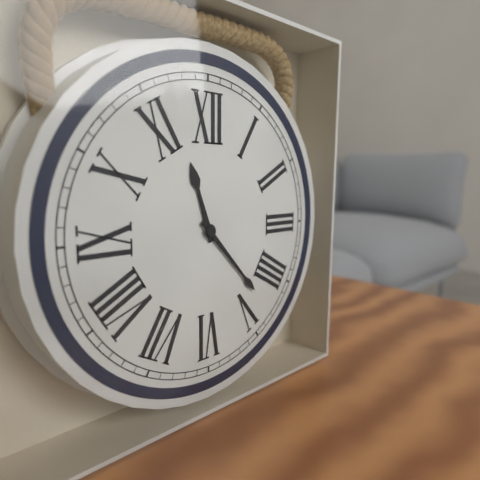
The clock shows h=11 m=23
